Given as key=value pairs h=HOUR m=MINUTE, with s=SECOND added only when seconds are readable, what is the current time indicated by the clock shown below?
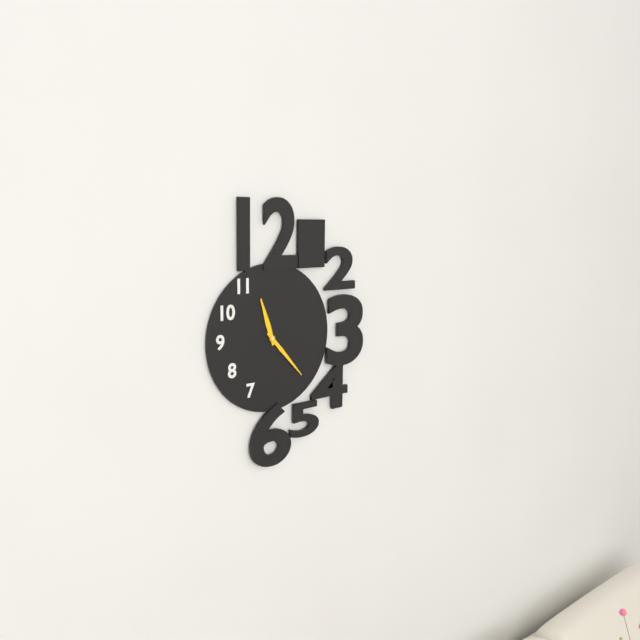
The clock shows h=11 m=23
